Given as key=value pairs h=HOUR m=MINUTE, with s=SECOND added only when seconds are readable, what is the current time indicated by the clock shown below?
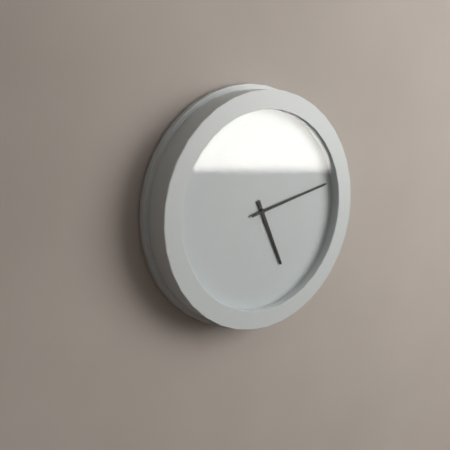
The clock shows h=5 m=13
